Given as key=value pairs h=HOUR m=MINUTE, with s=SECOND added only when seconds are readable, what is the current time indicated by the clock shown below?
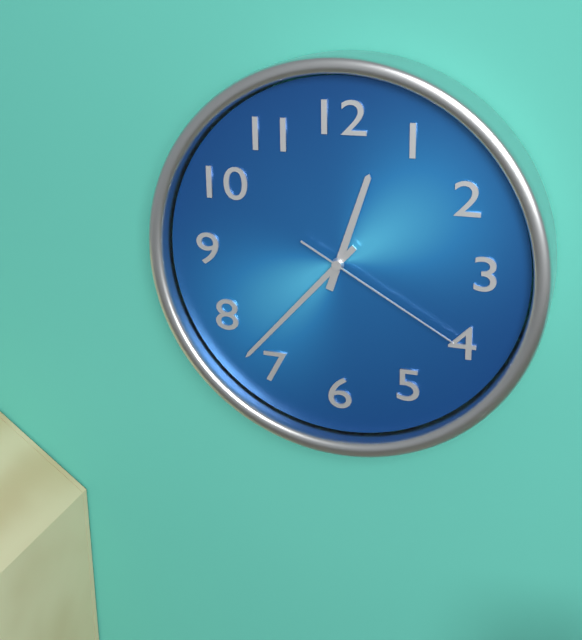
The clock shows h=12 m=37 s=20
